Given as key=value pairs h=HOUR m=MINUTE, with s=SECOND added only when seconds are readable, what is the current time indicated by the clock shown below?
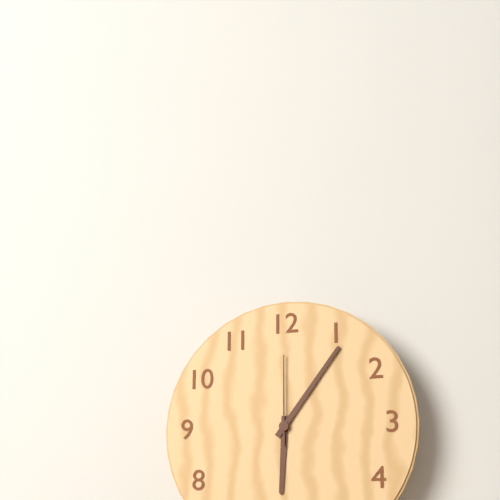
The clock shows h=6 m=6 s=0
